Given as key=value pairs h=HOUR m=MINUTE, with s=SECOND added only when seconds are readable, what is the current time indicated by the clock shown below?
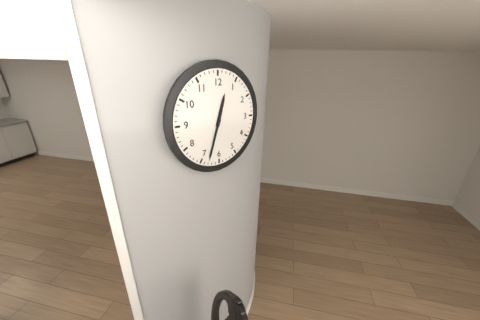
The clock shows h=12 m=33
